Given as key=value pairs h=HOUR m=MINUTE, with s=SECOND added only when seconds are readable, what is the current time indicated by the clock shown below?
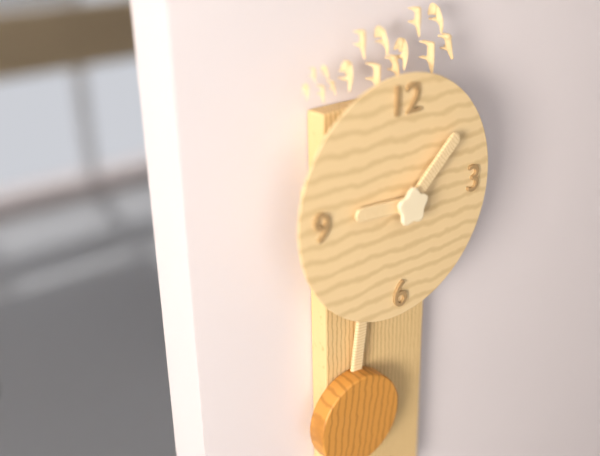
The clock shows h=9 m=8
